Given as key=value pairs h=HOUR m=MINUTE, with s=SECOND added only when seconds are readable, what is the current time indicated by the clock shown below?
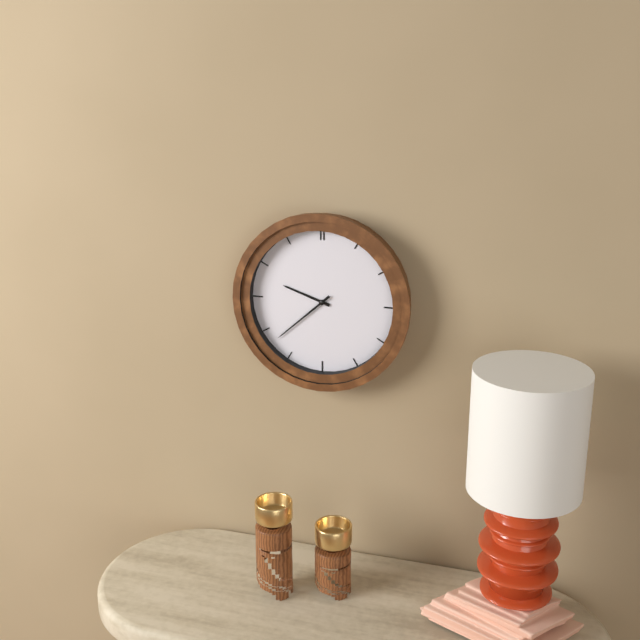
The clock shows h=9 m=38
